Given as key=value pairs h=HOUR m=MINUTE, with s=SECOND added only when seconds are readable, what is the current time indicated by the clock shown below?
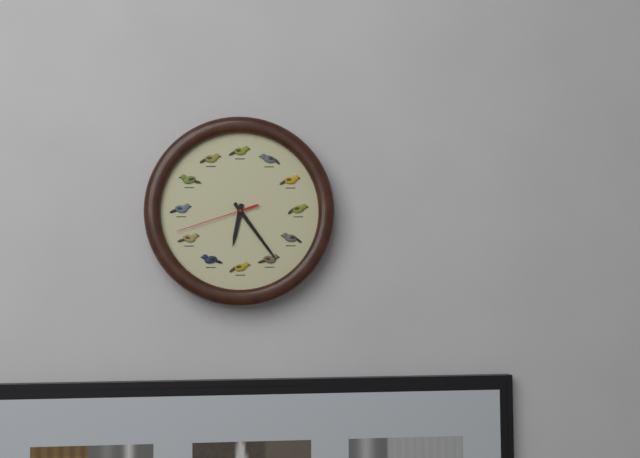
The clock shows h=6 m=24 s=42
